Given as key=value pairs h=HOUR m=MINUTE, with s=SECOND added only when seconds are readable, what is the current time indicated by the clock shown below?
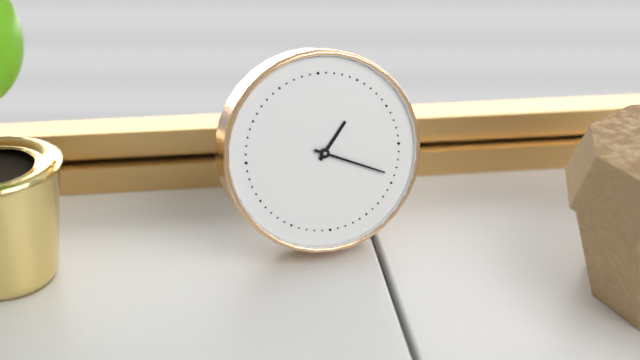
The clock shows h=1 m=19
